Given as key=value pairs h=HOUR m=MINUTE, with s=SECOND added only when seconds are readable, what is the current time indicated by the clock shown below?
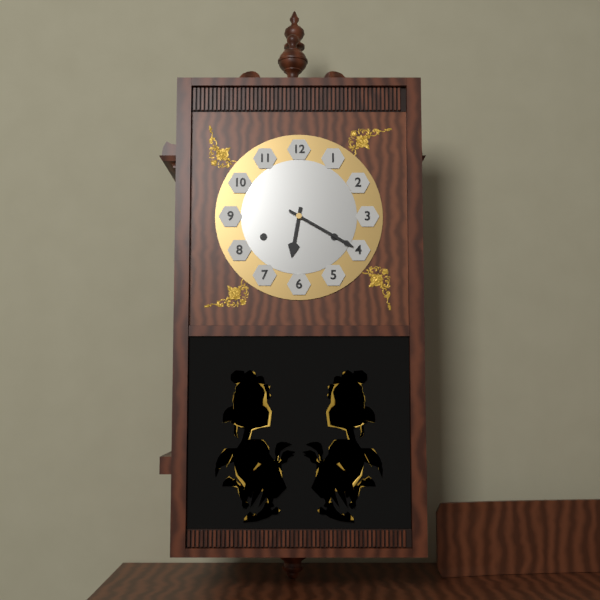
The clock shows h=6 m=20
